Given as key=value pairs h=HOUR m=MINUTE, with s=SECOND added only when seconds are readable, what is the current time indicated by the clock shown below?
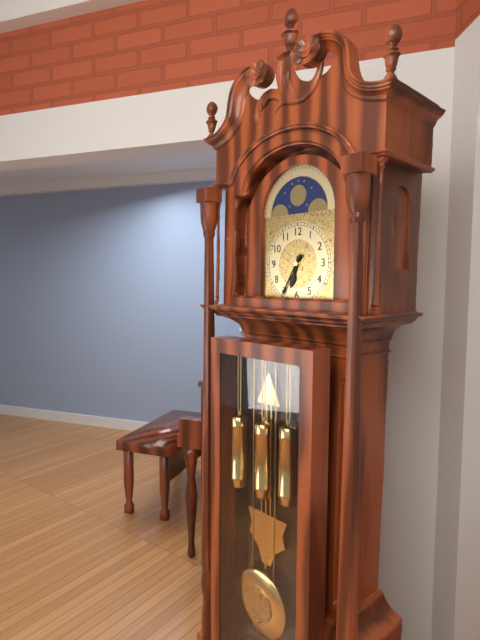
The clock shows h=6 m=35
